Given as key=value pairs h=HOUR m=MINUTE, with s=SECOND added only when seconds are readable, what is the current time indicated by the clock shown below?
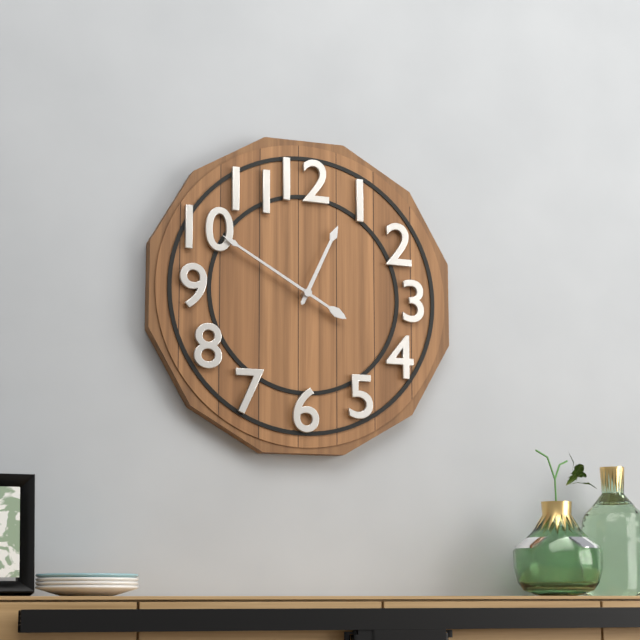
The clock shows h=12 m=50
